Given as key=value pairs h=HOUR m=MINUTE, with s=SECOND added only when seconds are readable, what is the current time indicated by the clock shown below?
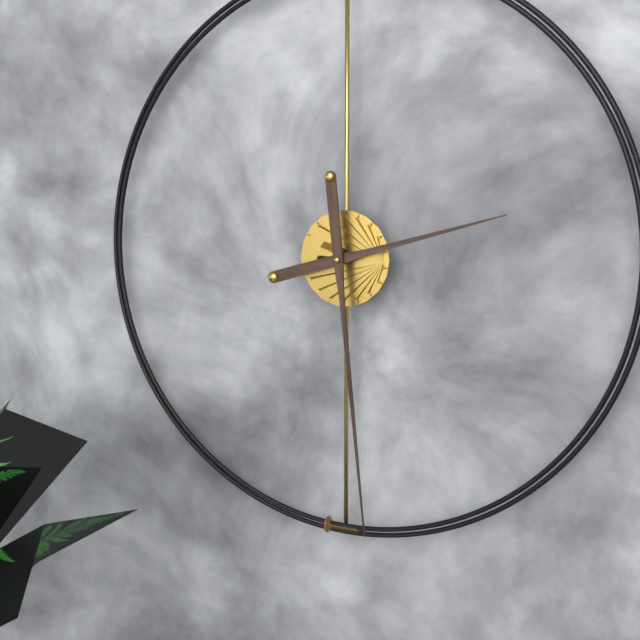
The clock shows h=2 m=29
